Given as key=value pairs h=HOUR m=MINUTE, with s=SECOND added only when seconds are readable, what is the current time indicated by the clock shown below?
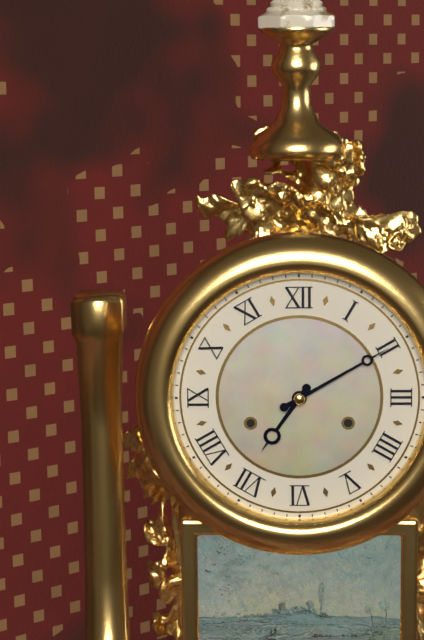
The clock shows h=7 m=10
